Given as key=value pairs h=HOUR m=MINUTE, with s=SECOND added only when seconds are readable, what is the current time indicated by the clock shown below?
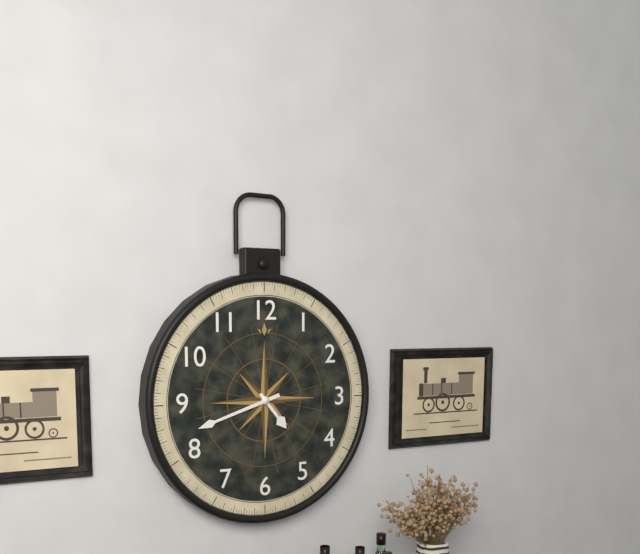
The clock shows h=4 m=42
